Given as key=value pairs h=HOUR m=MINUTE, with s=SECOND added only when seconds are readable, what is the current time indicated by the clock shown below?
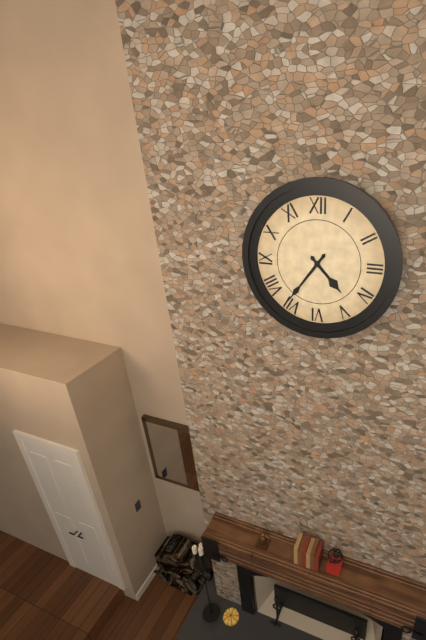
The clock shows h=4 m=36
